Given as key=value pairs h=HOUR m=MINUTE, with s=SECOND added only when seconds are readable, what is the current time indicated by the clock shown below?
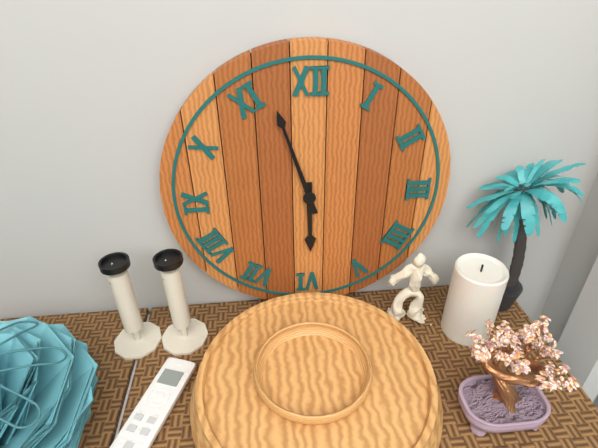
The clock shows h=5 m=57
